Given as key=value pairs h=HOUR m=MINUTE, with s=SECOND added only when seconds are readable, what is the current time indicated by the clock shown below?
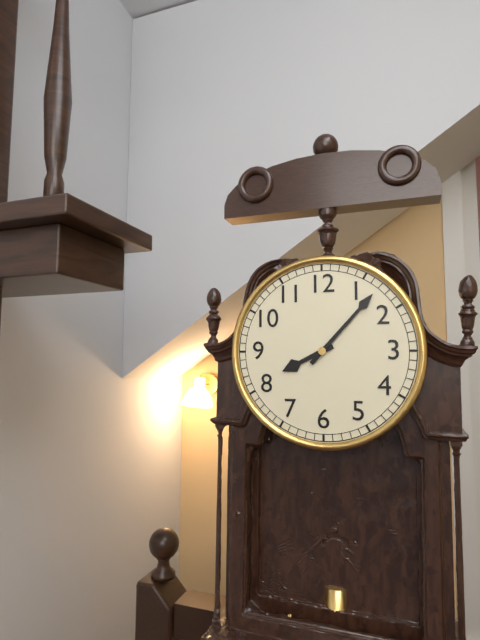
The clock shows h=8 m=7
